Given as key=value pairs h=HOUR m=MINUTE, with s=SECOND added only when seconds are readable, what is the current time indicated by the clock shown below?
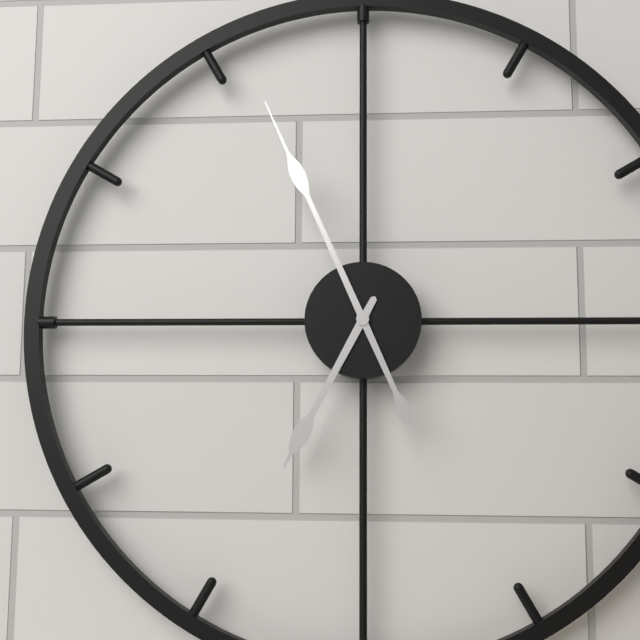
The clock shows h=6 m=56
